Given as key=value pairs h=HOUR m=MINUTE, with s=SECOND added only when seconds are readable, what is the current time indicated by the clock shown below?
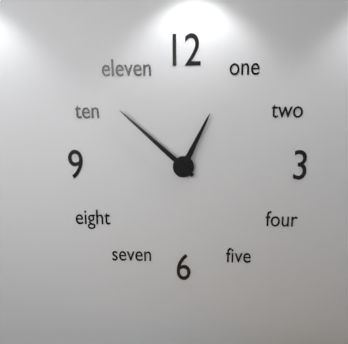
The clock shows h=12 m=52
